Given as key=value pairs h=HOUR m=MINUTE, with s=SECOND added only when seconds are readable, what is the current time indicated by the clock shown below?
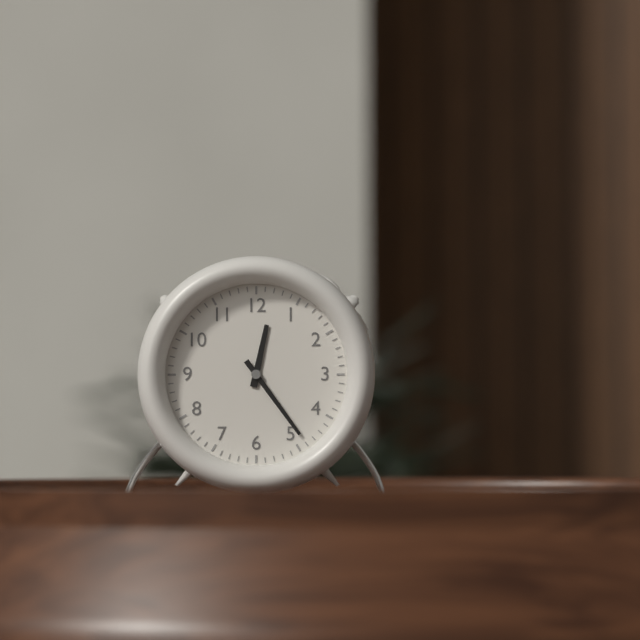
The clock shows h=12 m=24
